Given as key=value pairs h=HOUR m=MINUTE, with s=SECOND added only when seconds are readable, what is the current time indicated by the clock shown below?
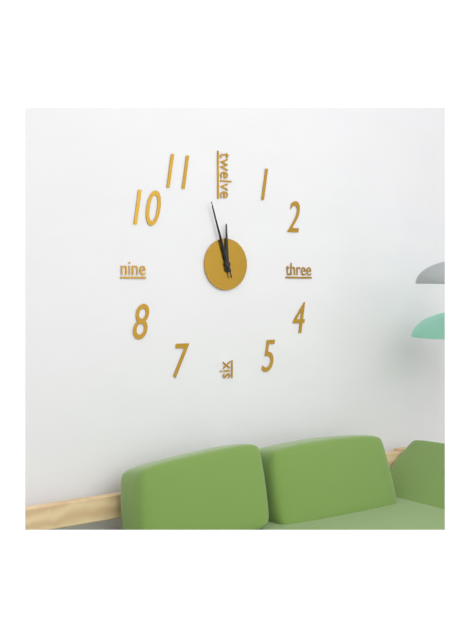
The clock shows h=11 m=57 s=57
